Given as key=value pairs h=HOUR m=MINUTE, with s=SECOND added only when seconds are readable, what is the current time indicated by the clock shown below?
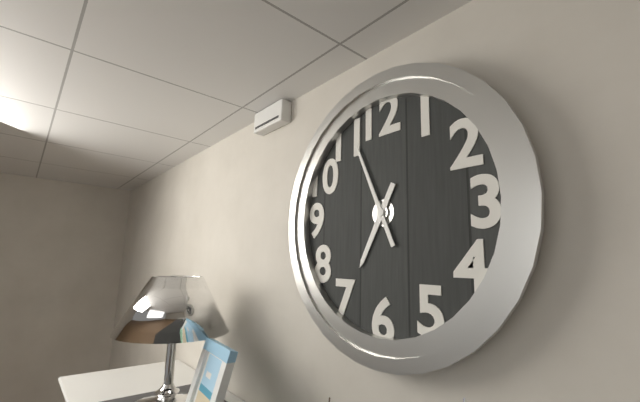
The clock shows h=6 m=56
